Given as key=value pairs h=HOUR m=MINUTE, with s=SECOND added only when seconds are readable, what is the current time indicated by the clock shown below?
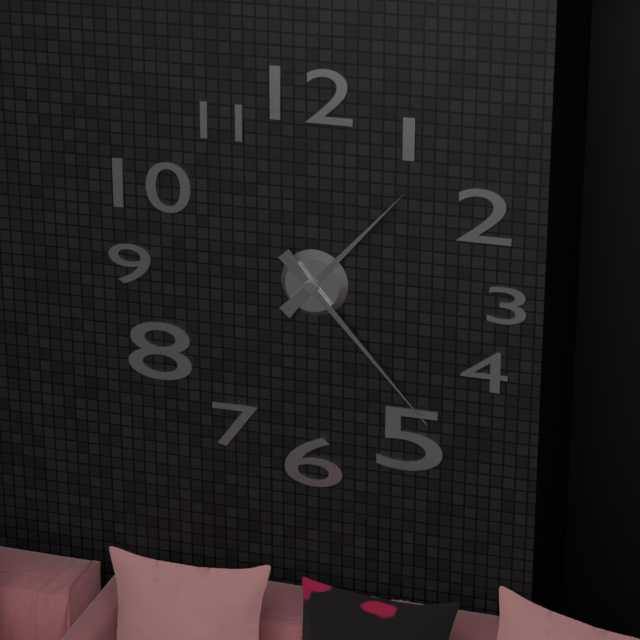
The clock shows h=1 m=23
